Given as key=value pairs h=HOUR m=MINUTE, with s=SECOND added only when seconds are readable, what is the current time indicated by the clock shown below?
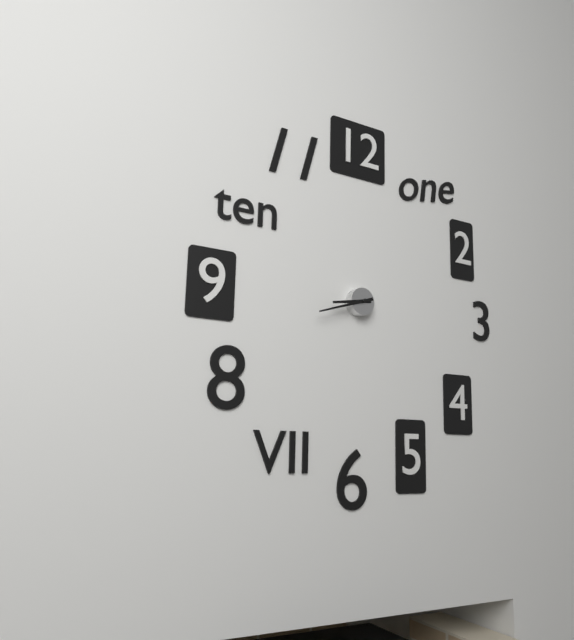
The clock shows h=8 m=42
